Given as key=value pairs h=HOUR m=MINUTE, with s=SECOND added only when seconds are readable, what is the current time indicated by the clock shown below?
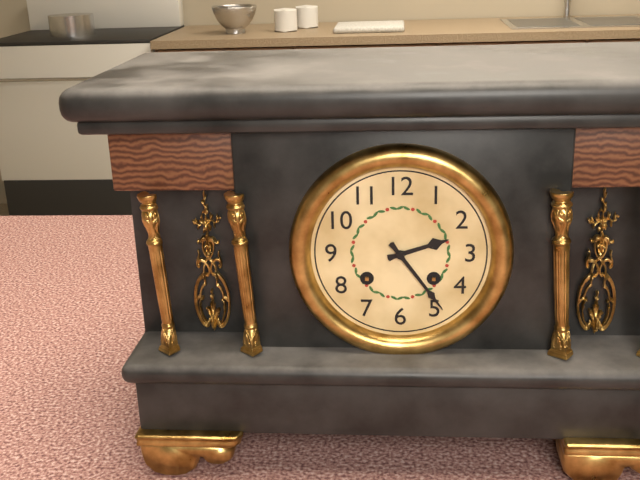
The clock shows h=2 m=24
